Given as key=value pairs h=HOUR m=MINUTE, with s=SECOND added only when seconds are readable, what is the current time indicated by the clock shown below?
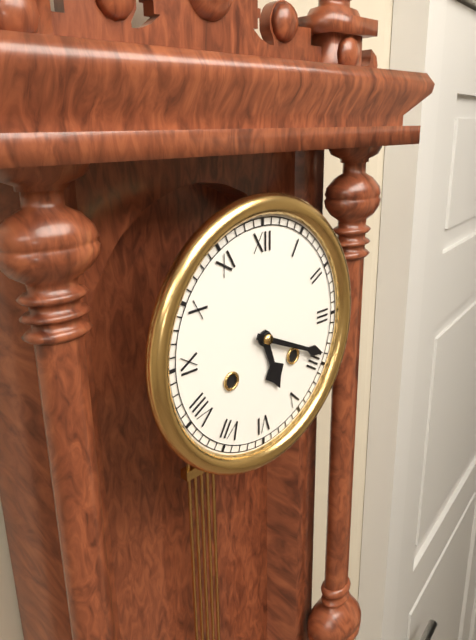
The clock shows h=5 m=19
